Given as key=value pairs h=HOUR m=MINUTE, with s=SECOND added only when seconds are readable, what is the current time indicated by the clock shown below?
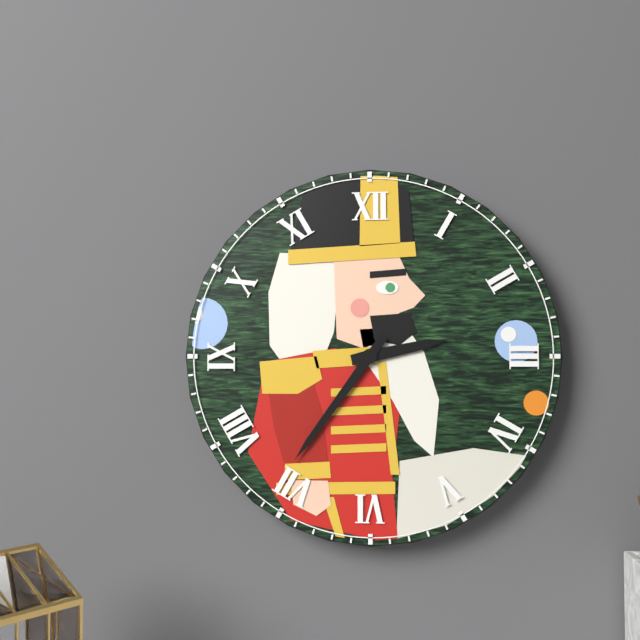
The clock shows h=2 m=36
